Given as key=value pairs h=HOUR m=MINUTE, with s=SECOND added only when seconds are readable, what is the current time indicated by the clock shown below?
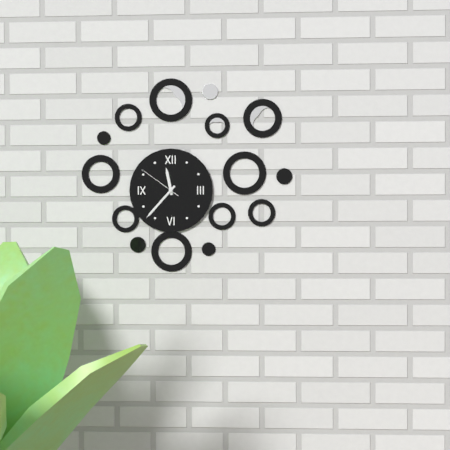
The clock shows h=11 m=37
